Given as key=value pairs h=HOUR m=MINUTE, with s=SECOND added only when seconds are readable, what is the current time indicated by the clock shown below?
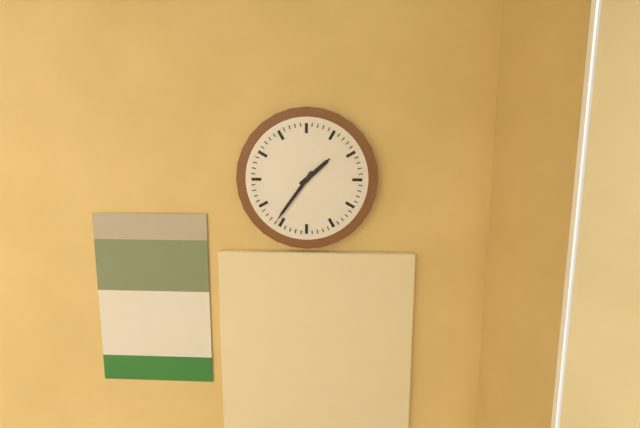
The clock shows h=1 m=36
